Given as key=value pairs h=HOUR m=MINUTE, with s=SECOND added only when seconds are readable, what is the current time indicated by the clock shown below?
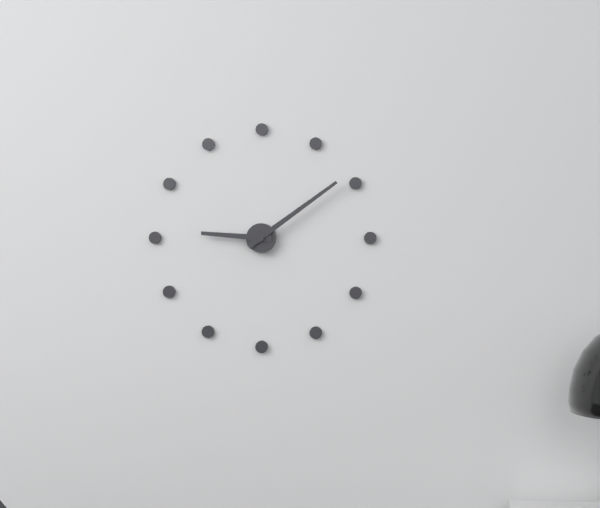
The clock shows h=9 m=9
